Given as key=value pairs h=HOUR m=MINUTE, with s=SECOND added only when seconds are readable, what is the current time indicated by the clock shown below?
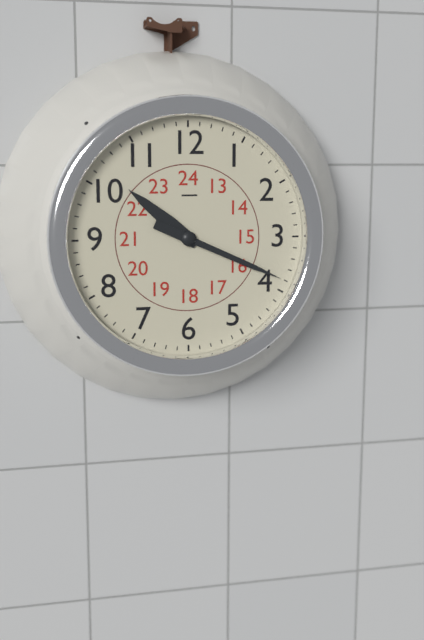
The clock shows h=10 m=19
